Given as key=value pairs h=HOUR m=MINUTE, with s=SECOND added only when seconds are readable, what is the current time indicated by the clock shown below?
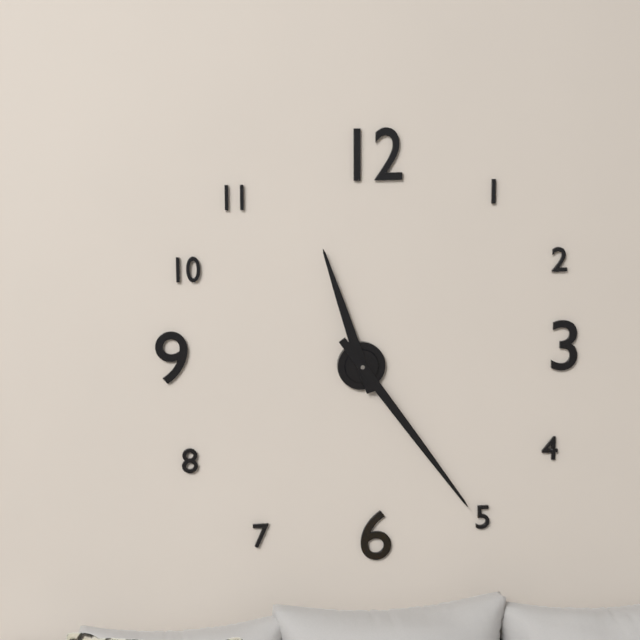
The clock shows h=11 m=24
